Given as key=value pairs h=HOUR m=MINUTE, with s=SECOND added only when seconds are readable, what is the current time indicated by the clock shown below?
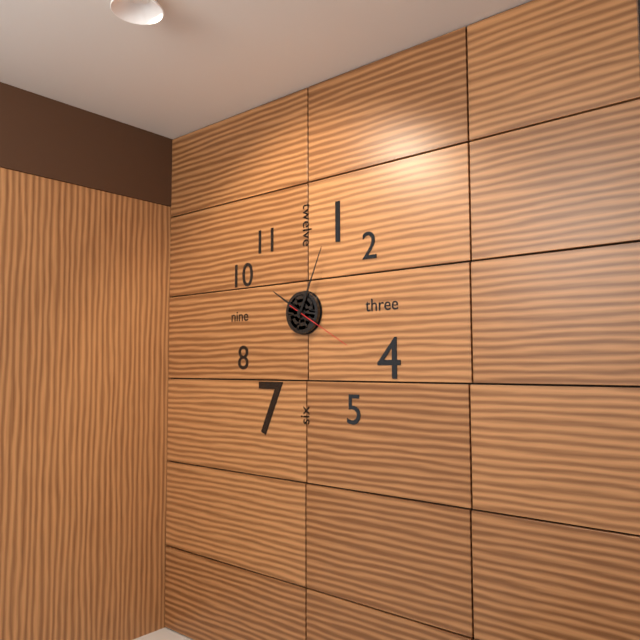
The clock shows h=10 m=4 s=20
